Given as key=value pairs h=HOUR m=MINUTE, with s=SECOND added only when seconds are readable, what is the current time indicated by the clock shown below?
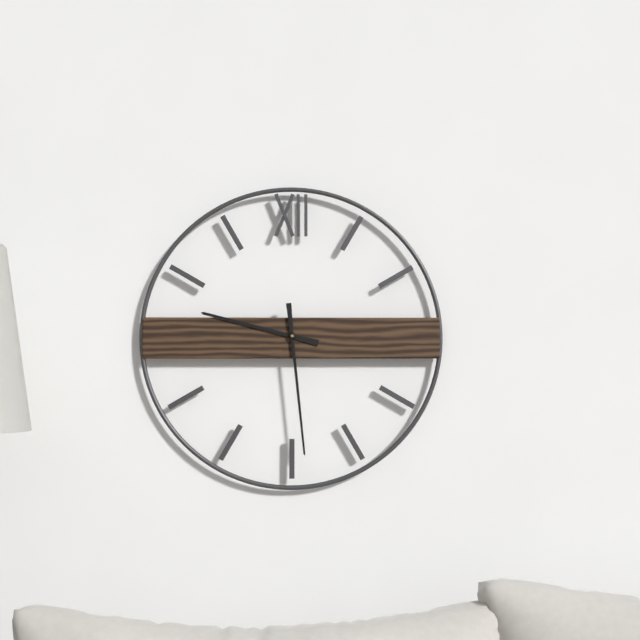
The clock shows h=9 m=29
